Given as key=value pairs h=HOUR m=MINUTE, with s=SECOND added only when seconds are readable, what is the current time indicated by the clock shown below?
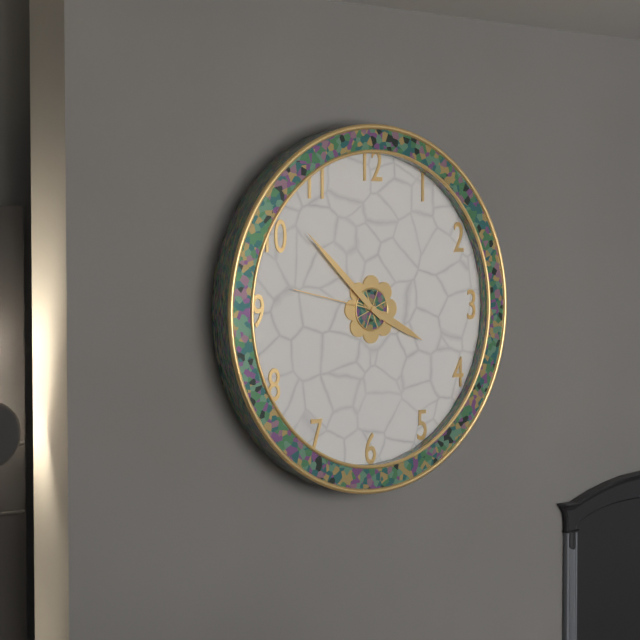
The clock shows h=3 m=52 s=47
